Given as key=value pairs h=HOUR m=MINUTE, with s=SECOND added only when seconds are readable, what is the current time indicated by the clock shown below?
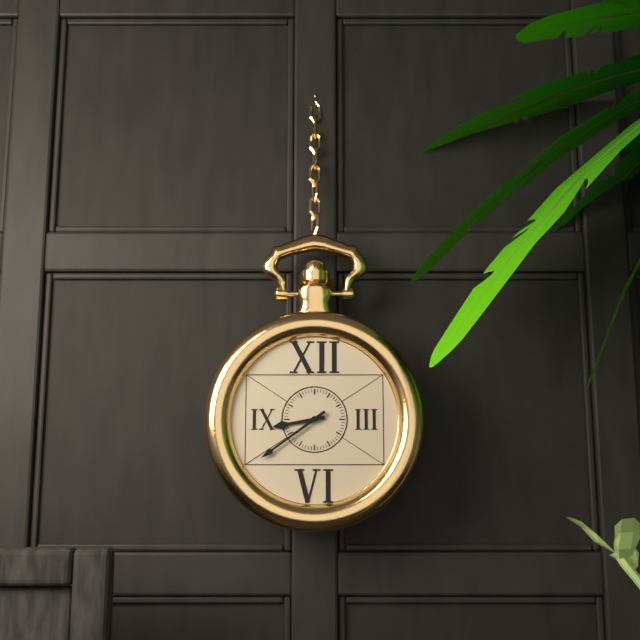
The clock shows h=8 m=39
